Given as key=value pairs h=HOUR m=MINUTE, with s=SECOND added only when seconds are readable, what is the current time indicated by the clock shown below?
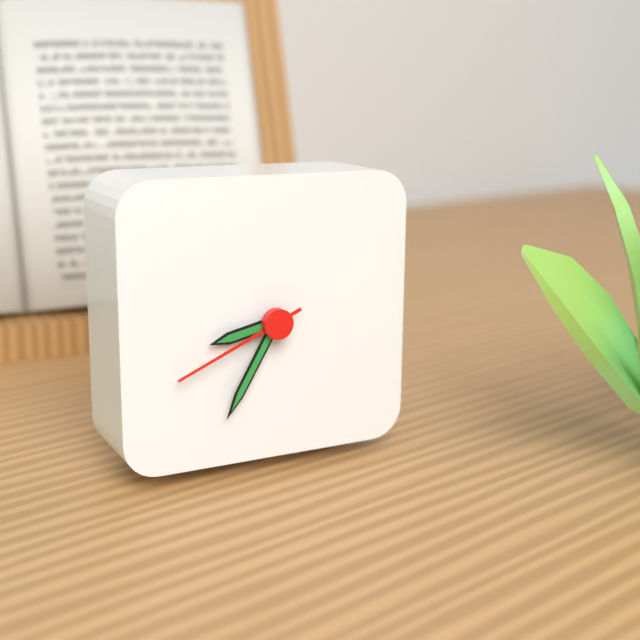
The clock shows h=8 m=35 s=41
